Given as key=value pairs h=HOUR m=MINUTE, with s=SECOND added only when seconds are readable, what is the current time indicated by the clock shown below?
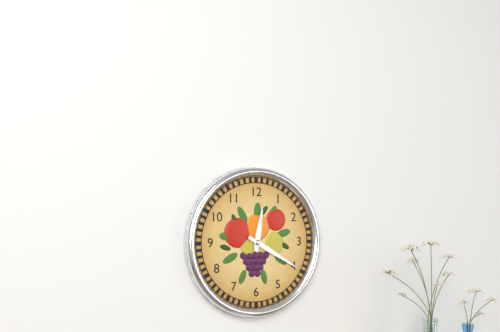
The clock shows h=12 m=20
